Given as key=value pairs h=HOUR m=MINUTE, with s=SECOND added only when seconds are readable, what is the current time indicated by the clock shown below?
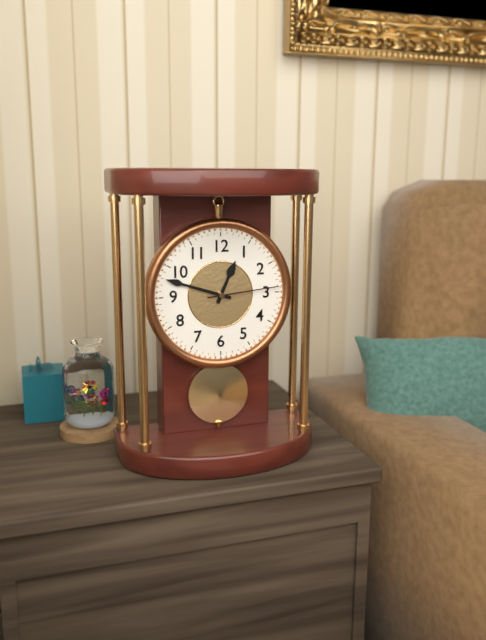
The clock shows h=12 m=48 s=14
